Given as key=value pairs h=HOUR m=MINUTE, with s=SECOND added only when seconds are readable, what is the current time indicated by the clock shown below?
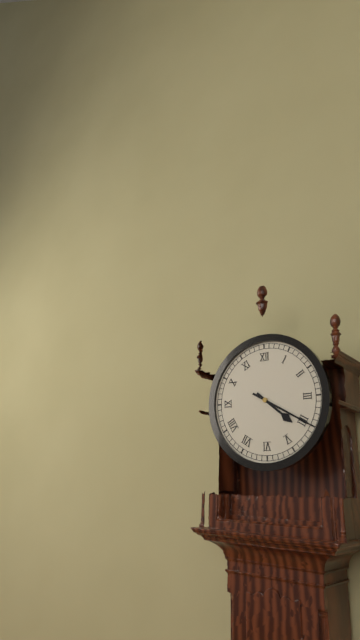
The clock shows h=4 m=20
